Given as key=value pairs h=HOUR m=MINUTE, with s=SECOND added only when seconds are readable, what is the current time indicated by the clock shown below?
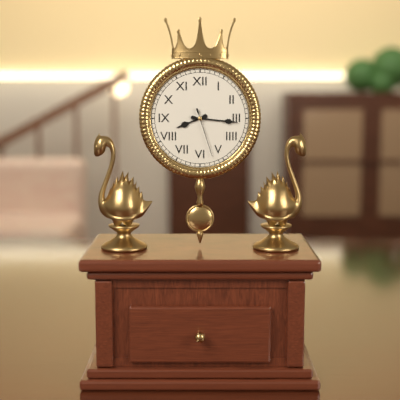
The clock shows h=8 m=16 s=27
